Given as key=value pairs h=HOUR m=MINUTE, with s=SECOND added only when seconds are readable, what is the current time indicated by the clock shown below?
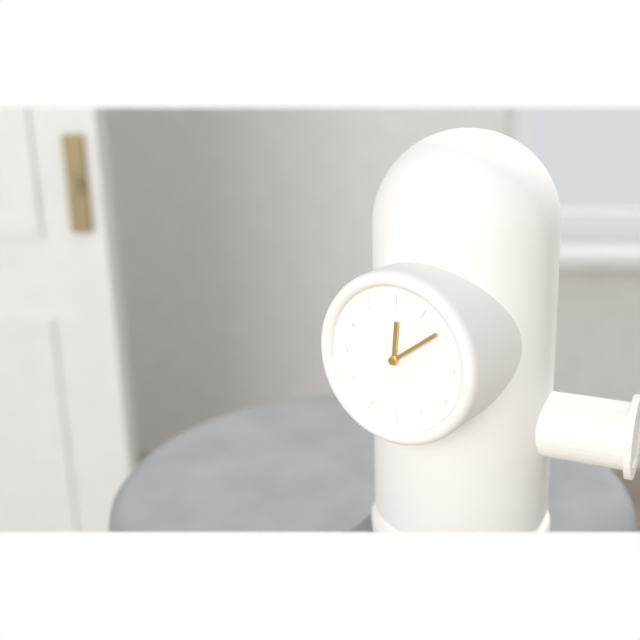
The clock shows h=12 m=9
